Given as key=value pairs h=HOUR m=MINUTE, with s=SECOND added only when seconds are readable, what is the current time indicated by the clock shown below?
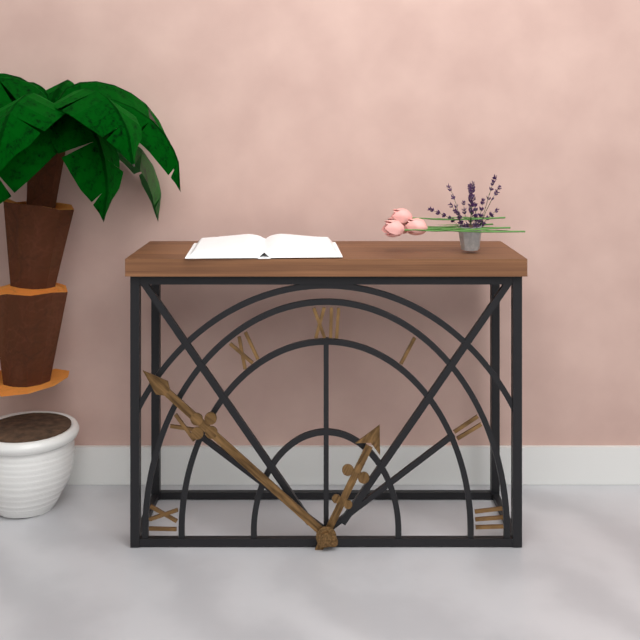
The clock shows h=12 m=52
